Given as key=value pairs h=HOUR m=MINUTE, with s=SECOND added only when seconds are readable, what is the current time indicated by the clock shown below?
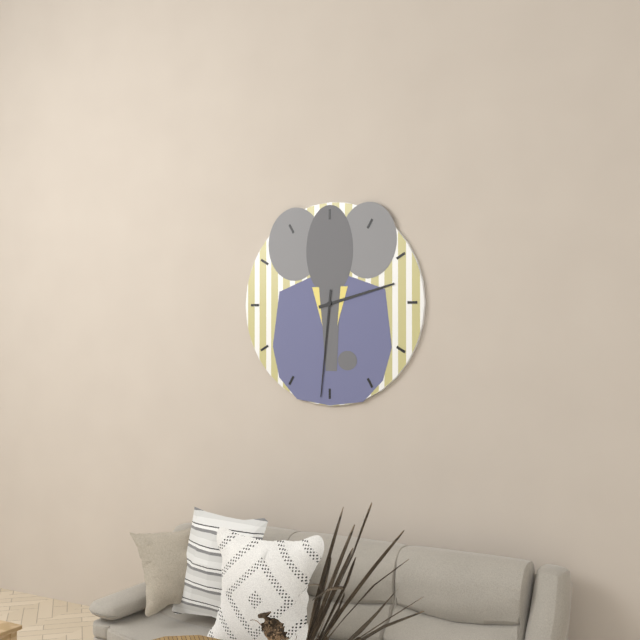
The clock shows h=2 m=31
